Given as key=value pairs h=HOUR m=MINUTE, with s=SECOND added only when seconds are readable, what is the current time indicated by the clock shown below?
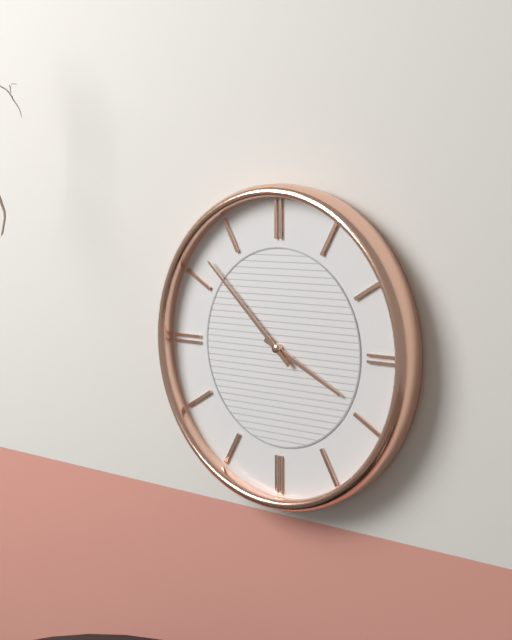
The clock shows h=3 m=52
